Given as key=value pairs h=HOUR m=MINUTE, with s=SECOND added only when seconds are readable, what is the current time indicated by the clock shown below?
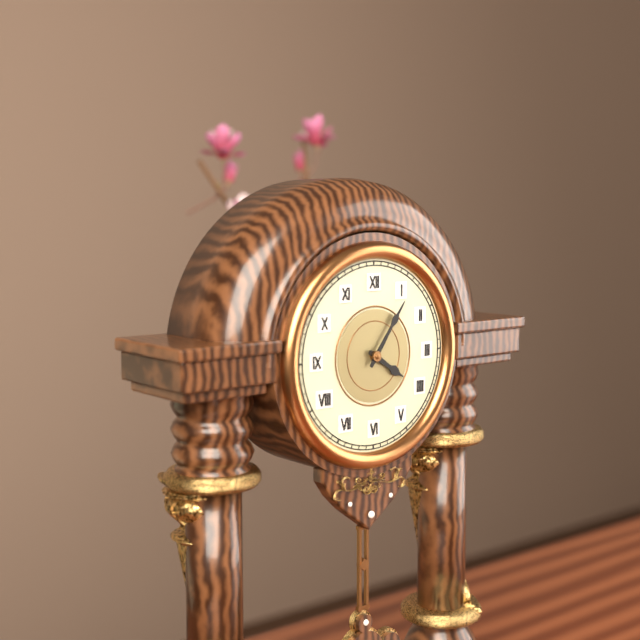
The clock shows h=4 m=6
